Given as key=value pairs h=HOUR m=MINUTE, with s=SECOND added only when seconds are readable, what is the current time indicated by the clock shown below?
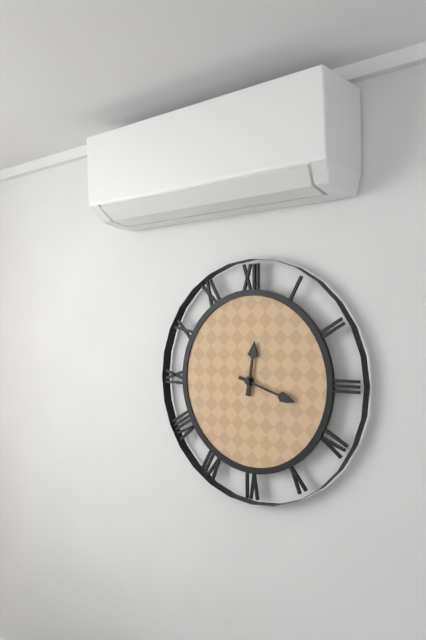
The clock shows h=12 m=18
